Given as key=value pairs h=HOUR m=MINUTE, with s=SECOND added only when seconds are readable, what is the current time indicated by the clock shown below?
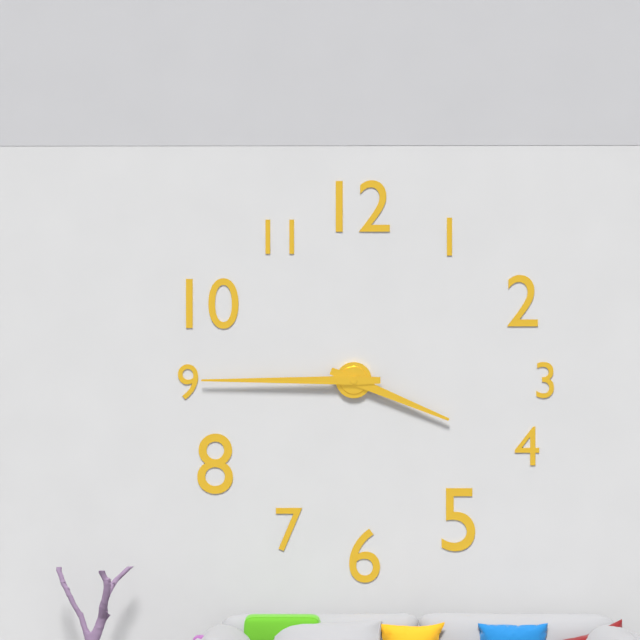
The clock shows h=3 m=45
